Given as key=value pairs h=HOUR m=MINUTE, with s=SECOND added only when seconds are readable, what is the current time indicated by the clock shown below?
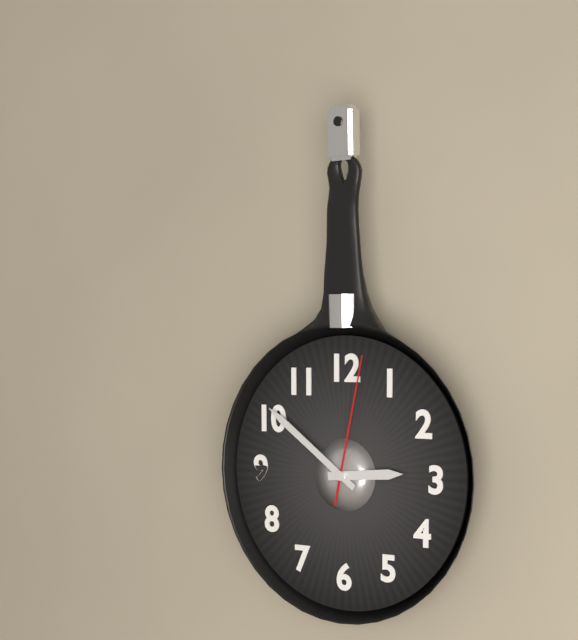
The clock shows h=2 m=51 s=2
